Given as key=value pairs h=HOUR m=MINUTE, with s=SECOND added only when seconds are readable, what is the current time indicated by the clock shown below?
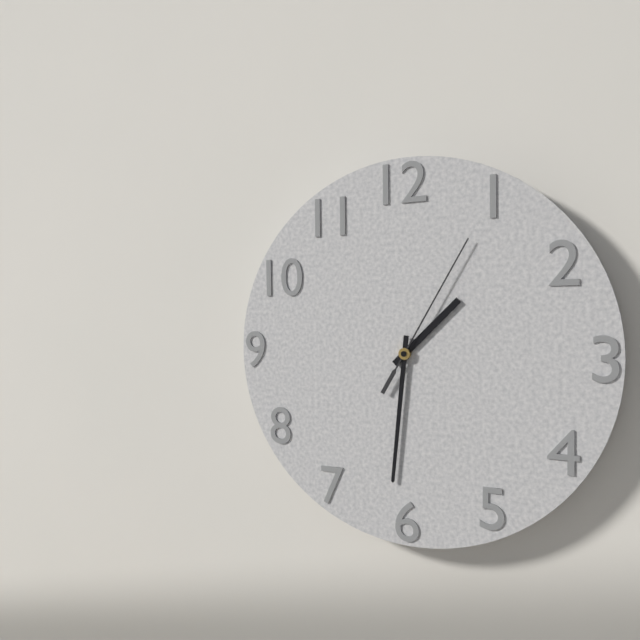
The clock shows h=1 m=31 s=5
